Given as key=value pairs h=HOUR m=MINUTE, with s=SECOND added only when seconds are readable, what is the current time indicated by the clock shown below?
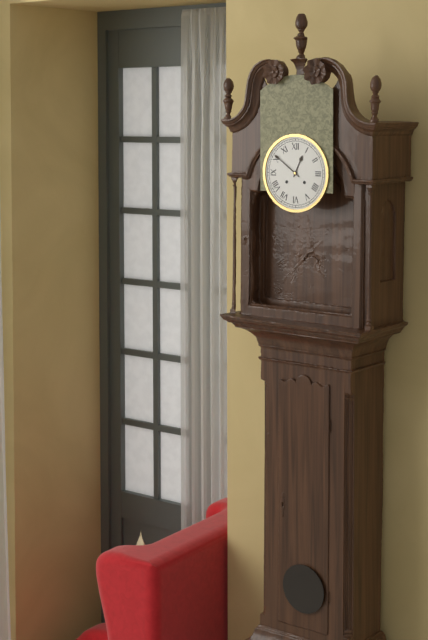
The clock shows h=12 m=51
